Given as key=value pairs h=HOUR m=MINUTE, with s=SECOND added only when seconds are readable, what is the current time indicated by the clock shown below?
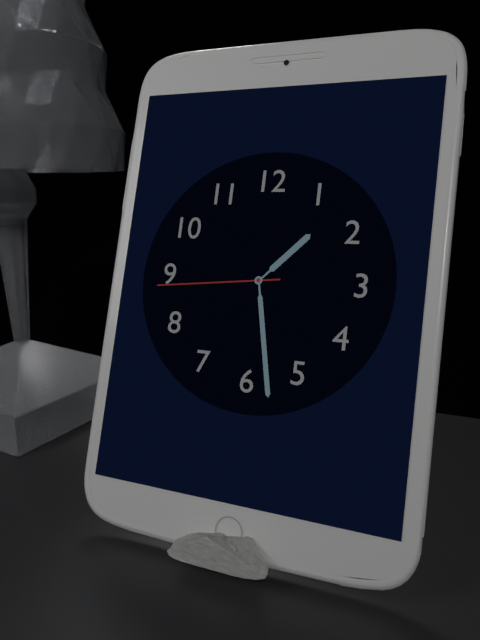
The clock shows h=1 m=28 s=44
